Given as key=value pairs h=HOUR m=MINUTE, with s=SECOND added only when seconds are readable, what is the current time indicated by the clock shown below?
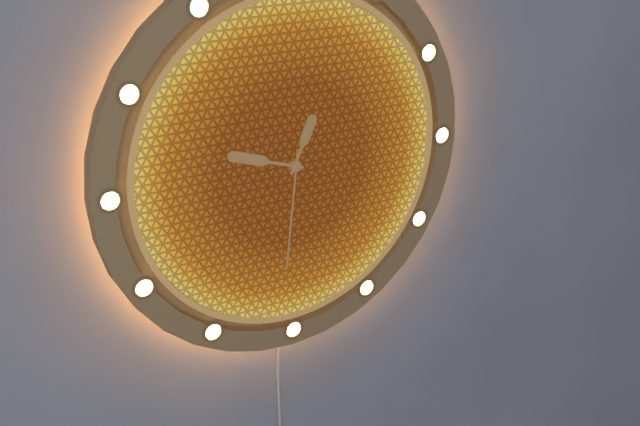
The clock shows h=12 m=48 s=31
